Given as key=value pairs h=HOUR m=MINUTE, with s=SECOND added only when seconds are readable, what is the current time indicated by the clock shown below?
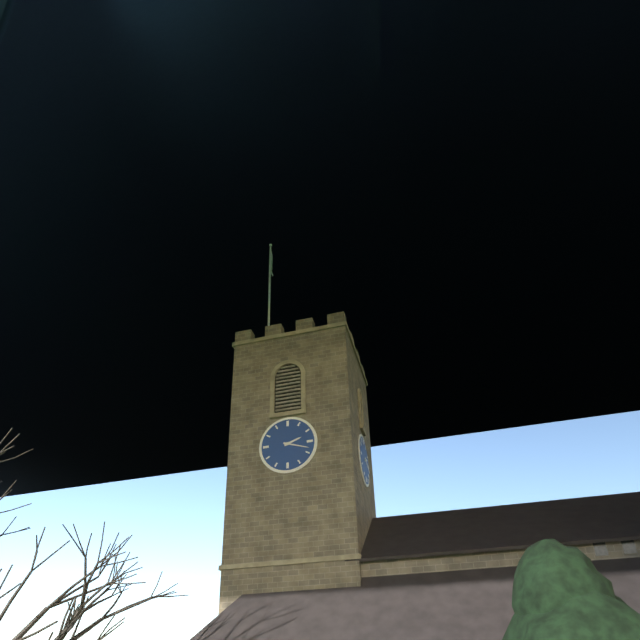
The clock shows h=2 m=18
